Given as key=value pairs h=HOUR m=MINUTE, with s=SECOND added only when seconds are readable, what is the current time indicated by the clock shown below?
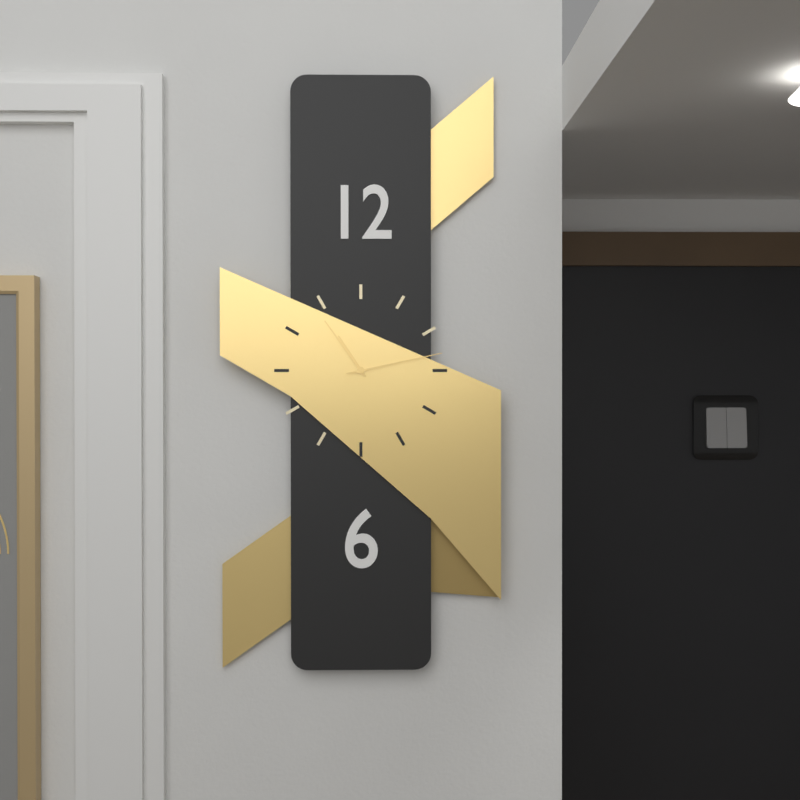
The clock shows h=10 m=54 s=13
